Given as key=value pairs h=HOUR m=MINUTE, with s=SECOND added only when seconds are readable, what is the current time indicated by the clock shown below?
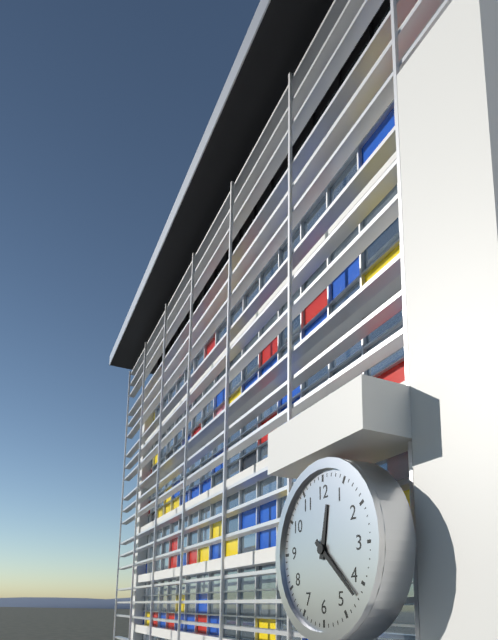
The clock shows h=12 m=22
